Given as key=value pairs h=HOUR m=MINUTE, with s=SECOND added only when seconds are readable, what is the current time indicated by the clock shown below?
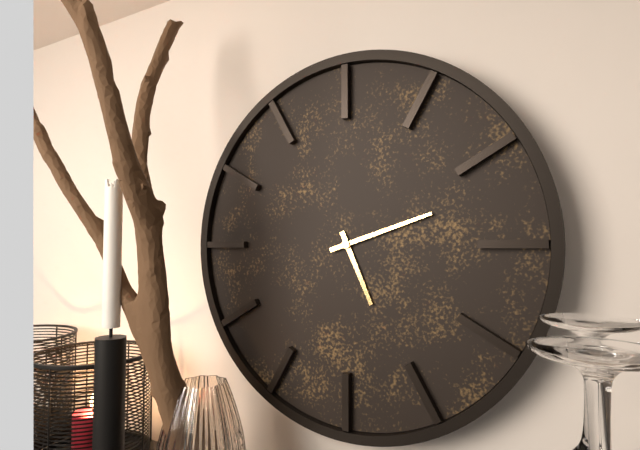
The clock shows h=5 m=12
